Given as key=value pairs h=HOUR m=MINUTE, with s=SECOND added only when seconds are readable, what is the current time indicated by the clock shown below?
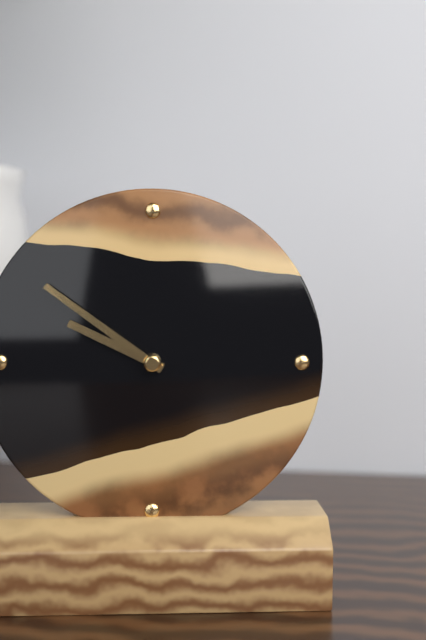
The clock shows h=9 m=51
